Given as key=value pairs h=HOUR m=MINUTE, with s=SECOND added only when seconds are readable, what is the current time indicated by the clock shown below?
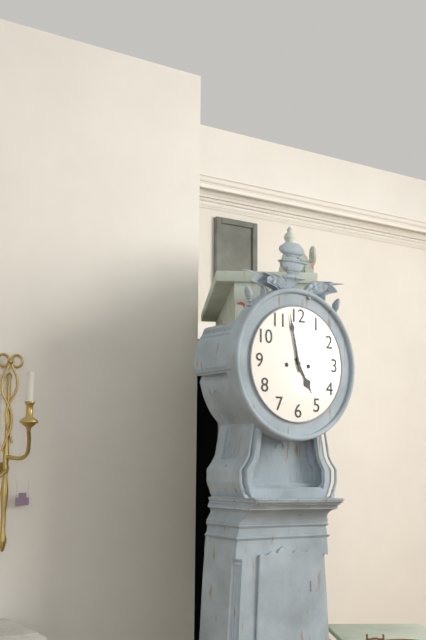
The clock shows h=4 m=58
